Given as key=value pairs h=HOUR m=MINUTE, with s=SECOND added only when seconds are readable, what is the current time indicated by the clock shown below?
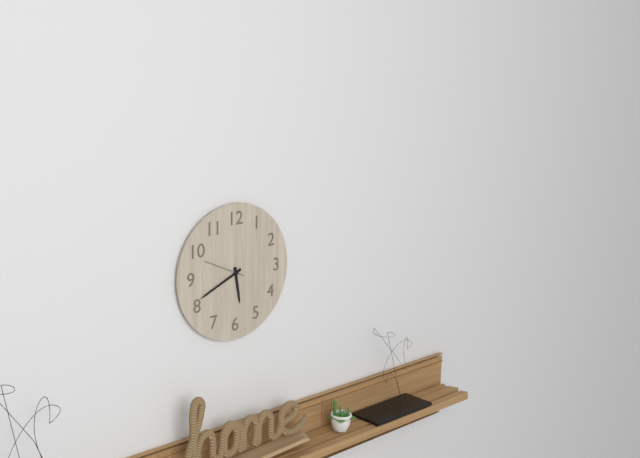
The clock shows h=5 m=41
